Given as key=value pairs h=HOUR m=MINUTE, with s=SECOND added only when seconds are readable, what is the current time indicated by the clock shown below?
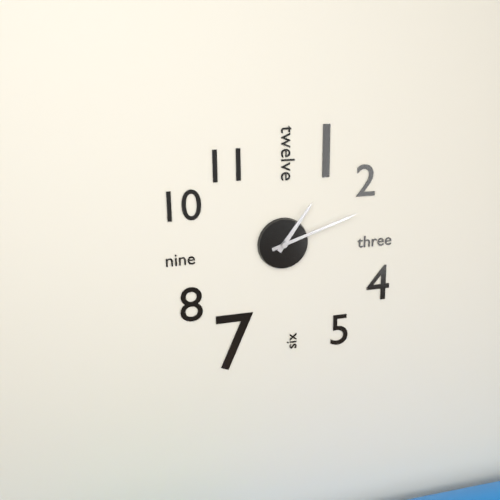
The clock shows h=1 m=12
